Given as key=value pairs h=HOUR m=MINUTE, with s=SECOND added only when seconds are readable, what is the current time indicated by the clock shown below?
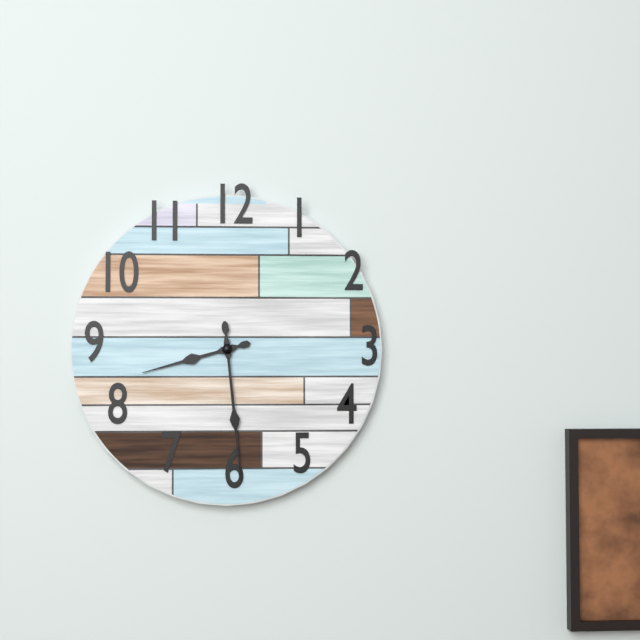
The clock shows h=8 m=29
